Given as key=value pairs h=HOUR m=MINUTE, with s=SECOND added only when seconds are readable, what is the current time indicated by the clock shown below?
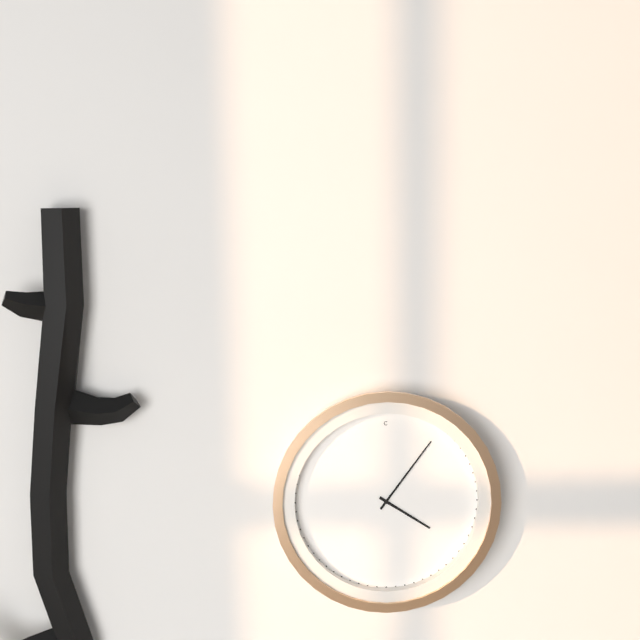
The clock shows h=4 m=6
